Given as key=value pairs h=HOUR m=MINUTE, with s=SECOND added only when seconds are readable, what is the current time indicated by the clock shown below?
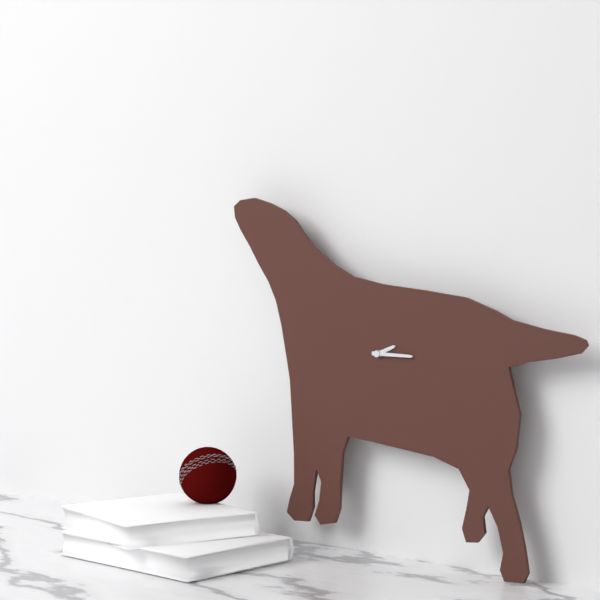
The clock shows h=2 m=15
